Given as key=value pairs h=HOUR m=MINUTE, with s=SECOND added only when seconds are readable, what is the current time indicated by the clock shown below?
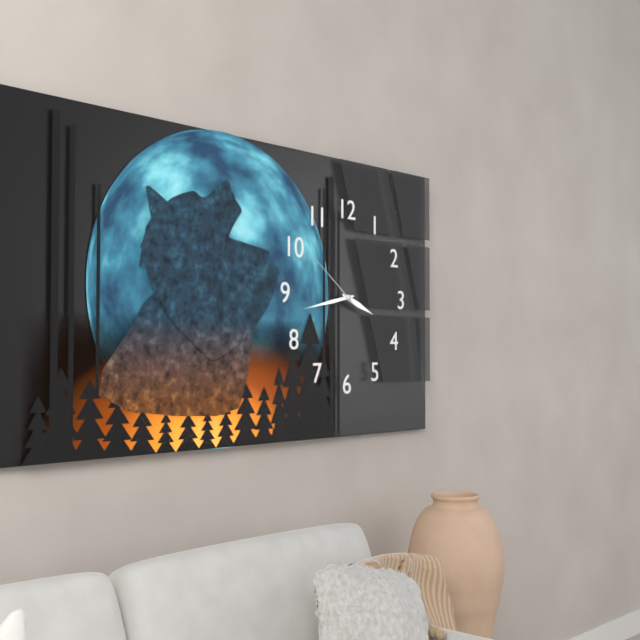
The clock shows h=3 m=43 s=51
